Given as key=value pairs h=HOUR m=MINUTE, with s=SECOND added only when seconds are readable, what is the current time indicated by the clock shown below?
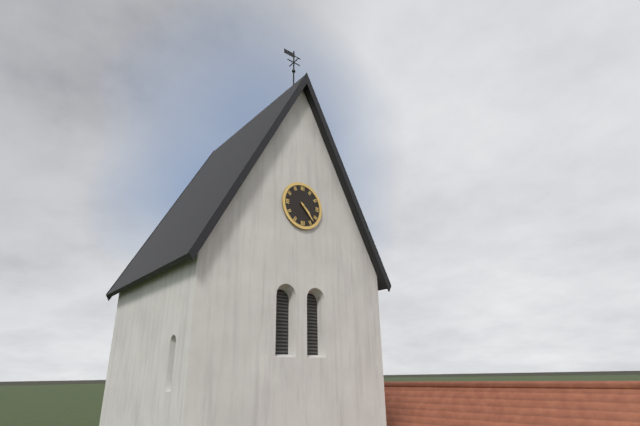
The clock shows h=4 m=23
